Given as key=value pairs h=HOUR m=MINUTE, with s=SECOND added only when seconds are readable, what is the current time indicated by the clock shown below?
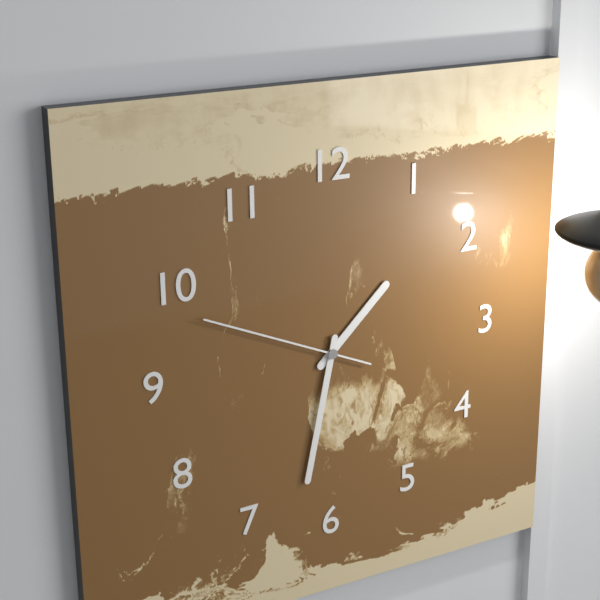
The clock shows h=1 m=32 s=49
